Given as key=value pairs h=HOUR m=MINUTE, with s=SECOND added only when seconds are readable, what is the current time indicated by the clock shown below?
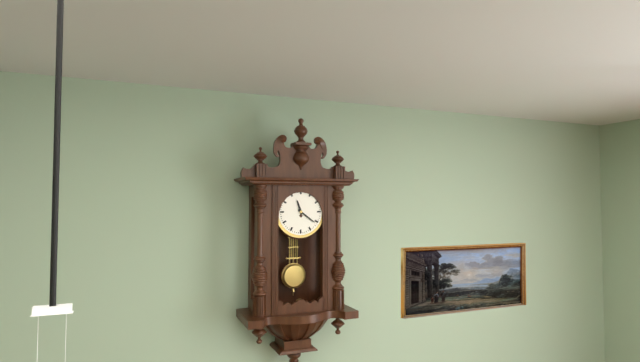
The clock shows h=11 m=21
